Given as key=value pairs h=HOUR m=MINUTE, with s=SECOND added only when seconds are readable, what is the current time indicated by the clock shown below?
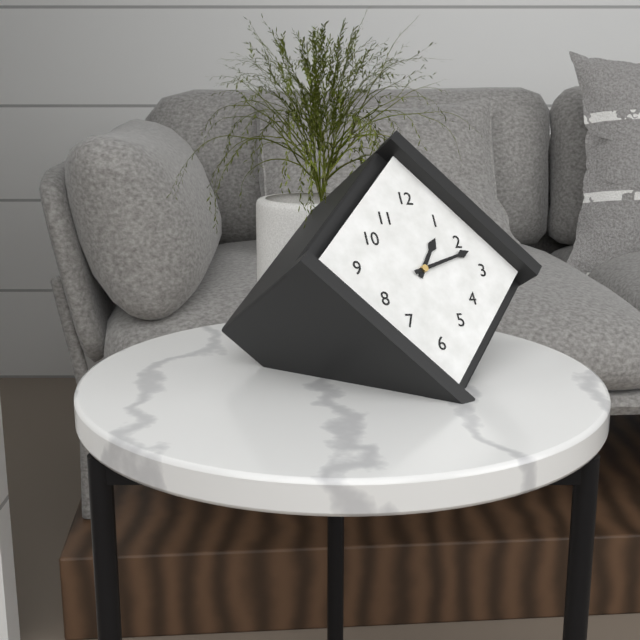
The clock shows h=1 m=12
